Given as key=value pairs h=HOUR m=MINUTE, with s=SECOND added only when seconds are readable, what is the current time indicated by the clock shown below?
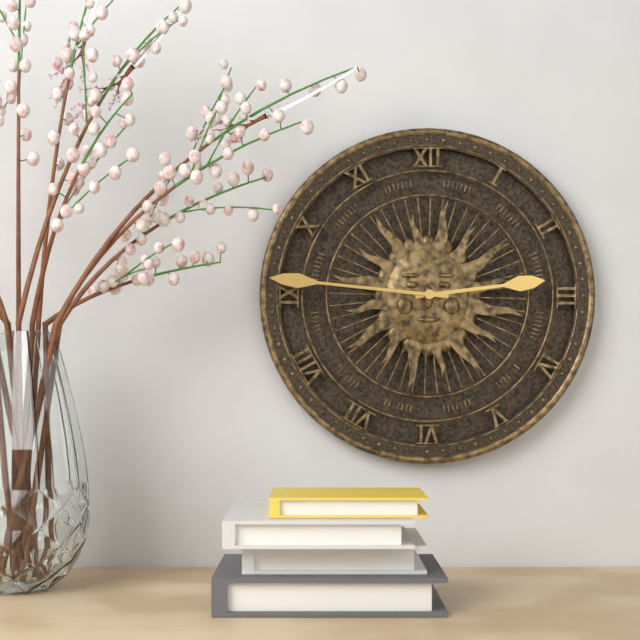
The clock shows h=2 m=46
